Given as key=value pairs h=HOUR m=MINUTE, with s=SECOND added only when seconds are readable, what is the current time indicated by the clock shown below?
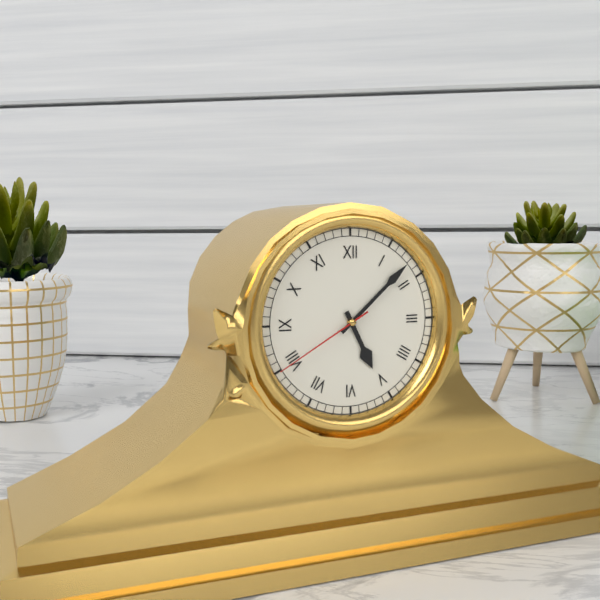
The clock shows h=5 m=8 s=40
